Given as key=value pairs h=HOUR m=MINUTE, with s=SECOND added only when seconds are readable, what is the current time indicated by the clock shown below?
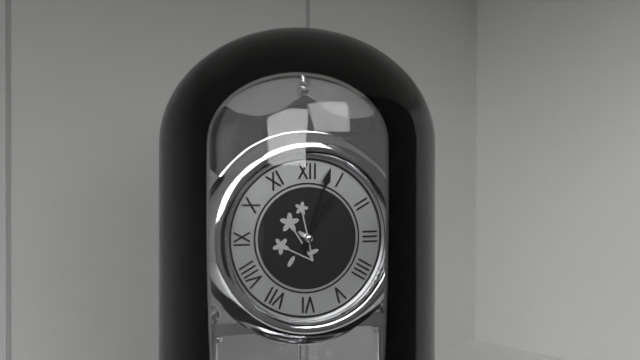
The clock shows h=1 m=3
